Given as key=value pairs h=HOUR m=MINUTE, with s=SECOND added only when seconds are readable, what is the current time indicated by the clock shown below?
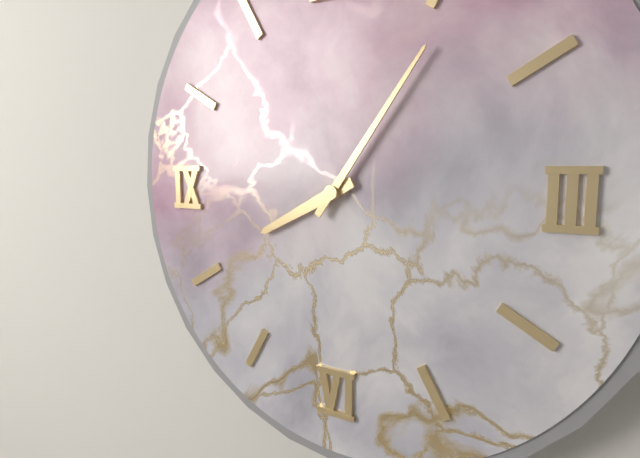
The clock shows h=8 m=6
